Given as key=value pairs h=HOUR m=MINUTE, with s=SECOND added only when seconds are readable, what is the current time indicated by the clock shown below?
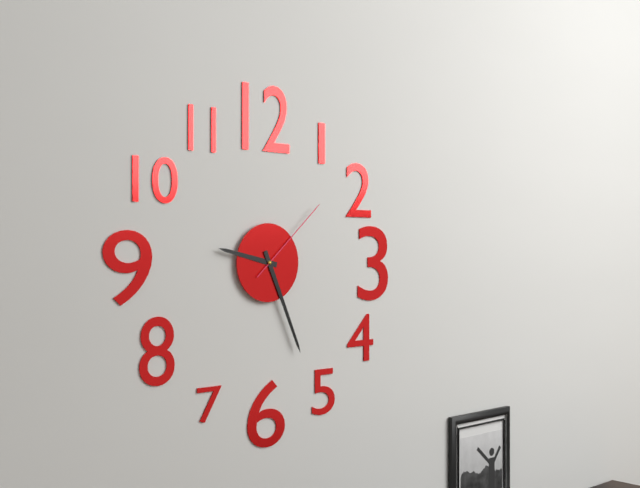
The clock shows h=9 m=26 s=8
